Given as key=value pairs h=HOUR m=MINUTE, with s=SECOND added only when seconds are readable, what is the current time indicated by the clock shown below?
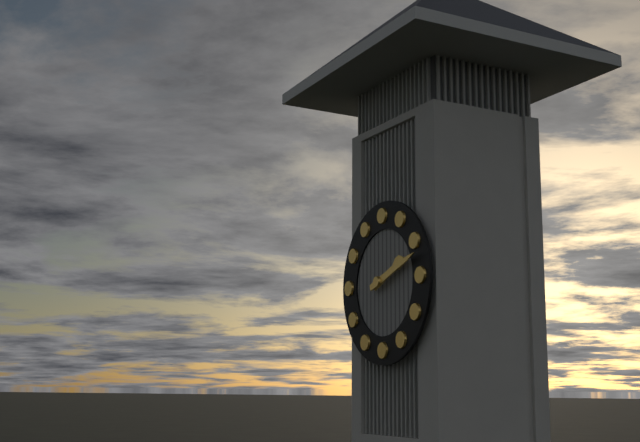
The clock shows h=2 m=12
